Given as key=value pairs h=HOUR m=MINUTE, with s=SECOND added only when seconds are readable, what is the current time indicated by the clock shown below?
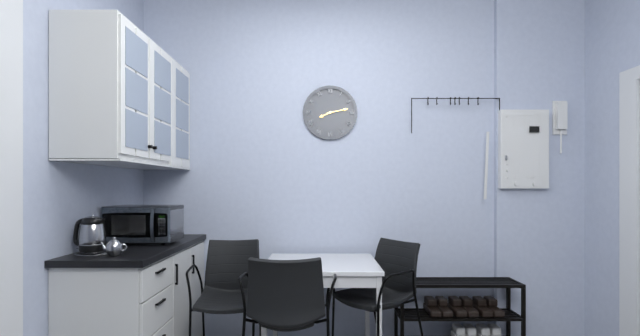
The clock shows h=8 m=13
